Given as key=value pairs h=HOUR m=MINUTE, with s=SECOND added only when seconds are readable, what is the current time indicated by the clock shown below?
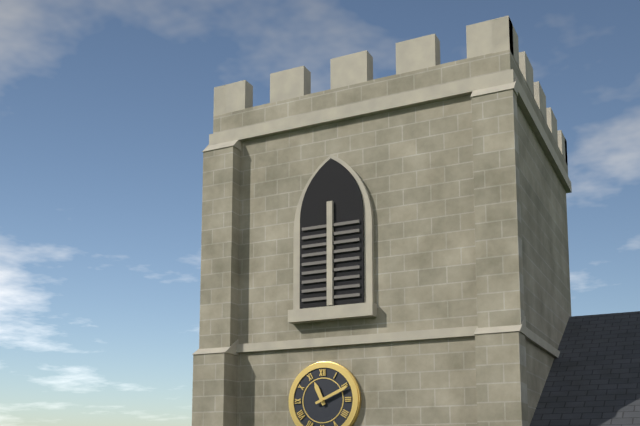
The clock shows h=11 m=11
